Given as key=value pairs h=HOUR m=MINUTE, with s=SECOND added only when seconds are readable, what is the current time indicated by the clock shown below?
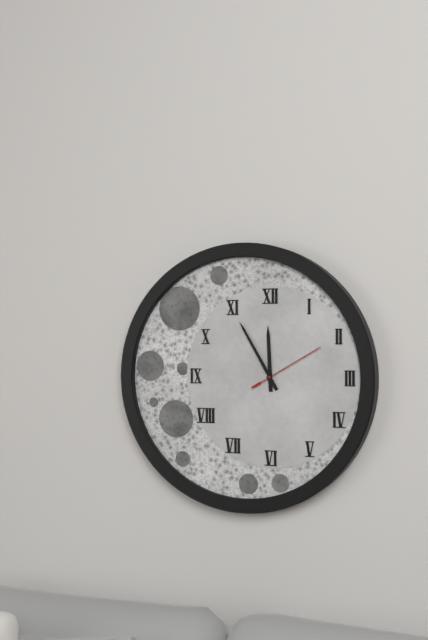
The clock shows h=11 m=55 s=10
